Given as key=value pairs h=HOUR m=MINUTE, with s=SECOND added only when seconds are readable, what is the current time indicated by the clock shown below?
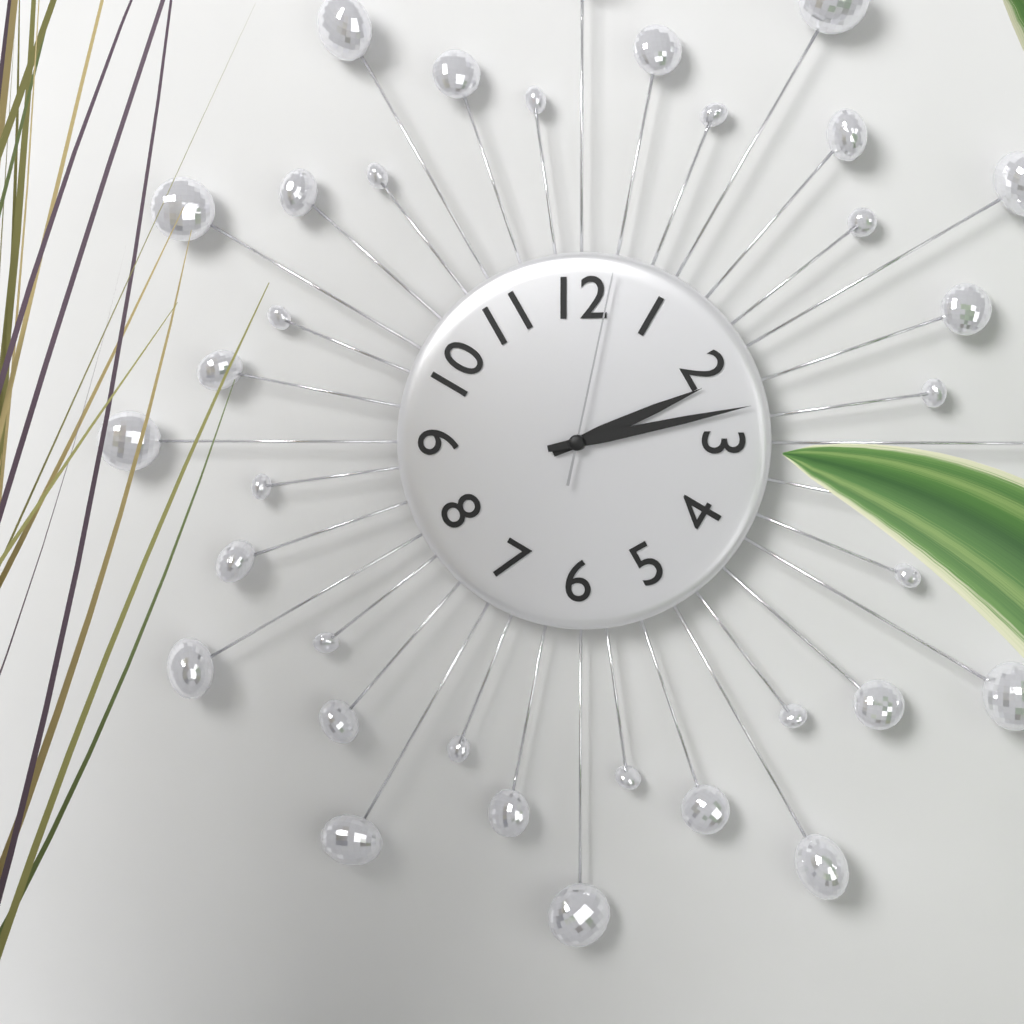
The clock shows h=2 m=13 s=2
